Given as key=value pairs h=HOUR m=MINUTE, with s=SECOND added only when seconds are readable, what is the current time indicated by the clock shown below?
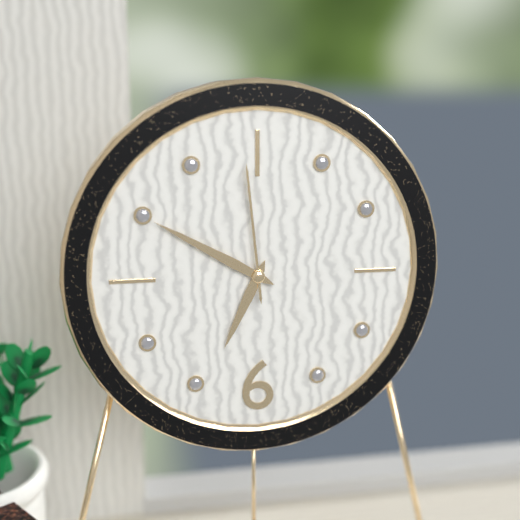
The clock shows h=6 m=50 s=59
